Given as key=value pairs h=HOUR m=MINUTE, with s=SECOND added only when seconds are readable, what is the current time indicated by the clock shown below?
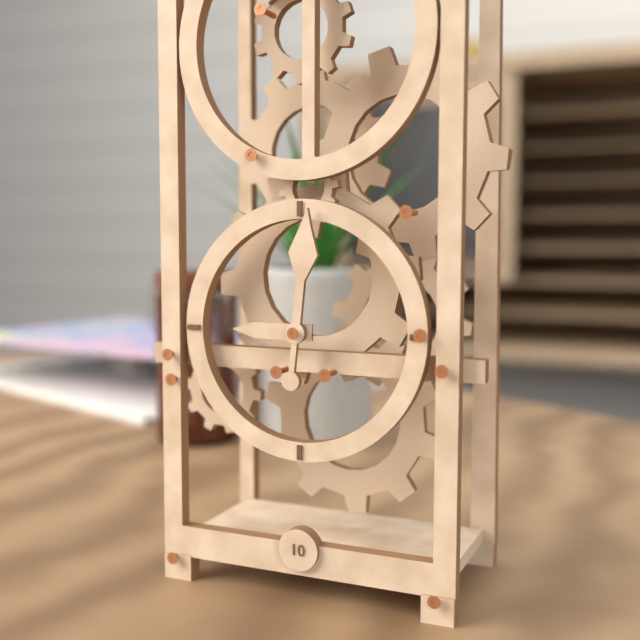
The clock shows h=9 m=1
